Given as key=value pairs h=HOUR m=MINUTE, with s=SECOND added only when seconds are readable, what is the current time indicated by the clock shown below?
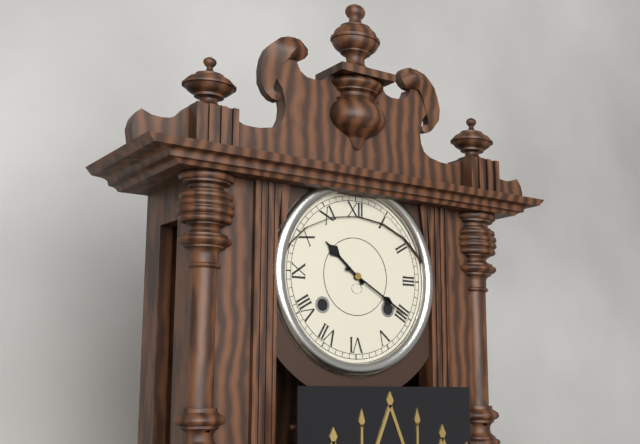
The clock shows h=10 m=20
